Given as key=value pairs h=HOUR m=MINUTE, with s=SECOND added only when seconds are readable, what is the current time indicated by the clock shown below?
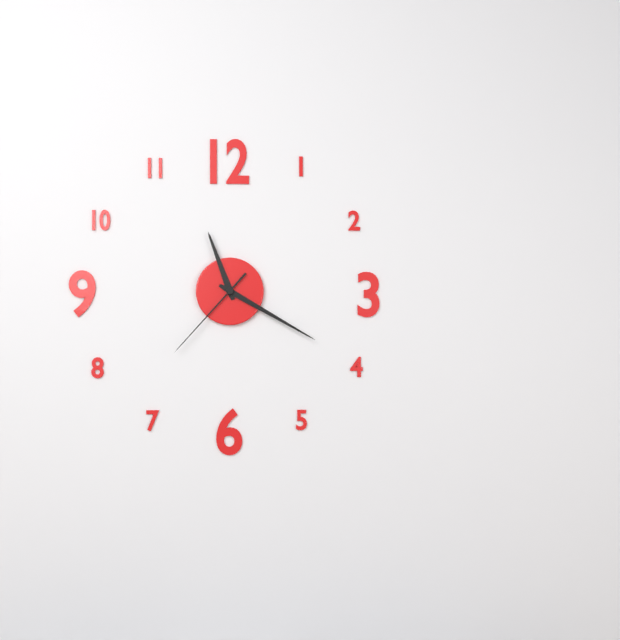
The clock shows h=11 m=20 s=37
